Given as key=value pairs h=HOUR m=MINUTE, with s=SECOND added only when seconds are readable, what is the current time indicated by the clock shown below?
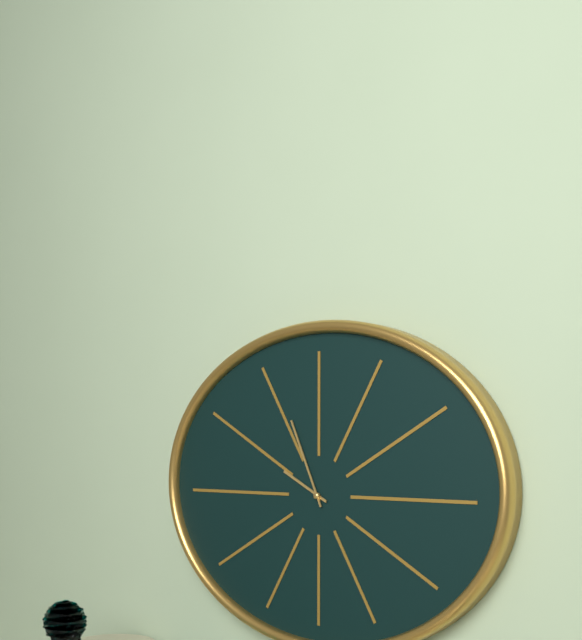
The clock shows h=9 m=56
